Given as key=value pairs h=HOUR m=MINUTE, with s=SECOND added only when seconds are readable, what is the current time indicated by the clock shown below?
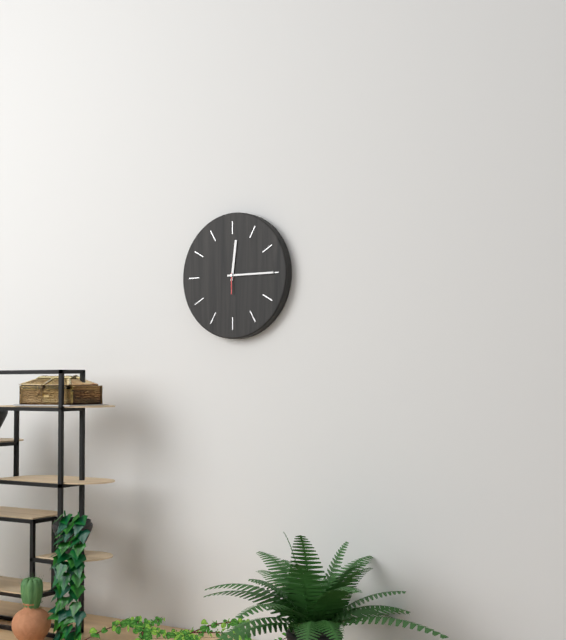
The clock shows h=12 m=15
